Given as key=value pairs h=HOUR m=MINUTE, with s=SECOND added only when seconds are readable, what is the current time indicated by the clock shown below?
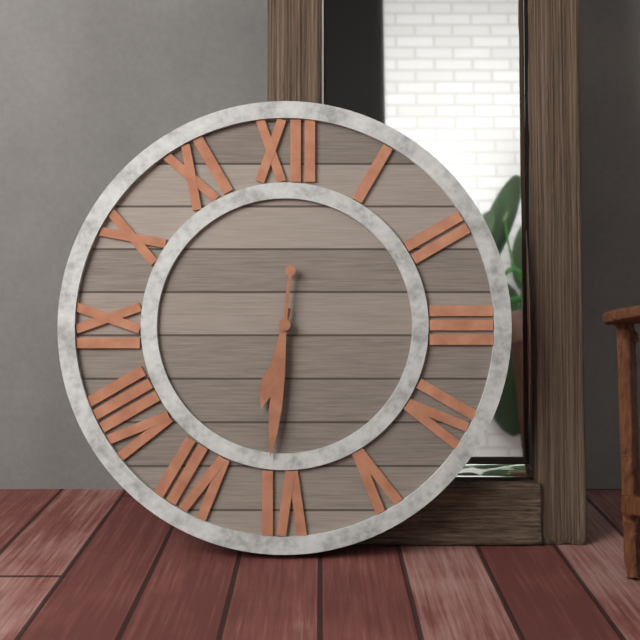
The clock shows h=6 m=31
